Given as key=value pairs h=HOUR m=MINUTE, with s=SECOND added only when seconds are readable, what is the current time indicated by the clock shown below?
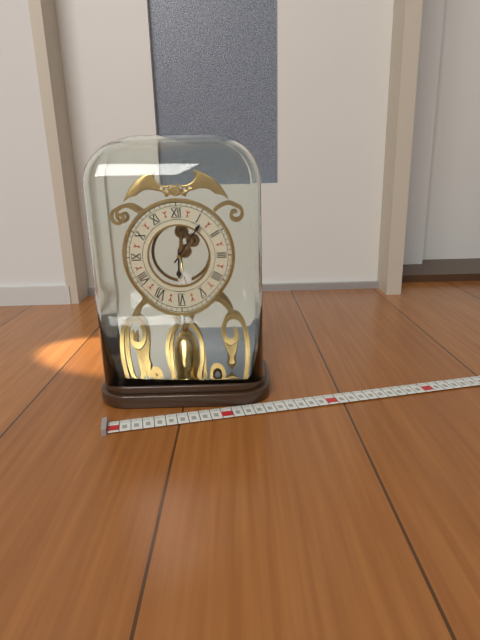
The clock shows h=6 m=6
